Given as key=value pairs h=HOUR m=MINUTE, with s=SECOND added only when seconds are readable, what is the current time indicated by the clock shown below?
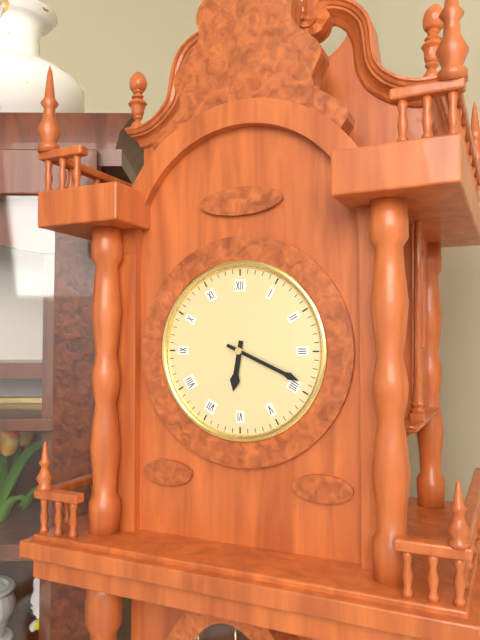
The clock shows h=6 m=19
